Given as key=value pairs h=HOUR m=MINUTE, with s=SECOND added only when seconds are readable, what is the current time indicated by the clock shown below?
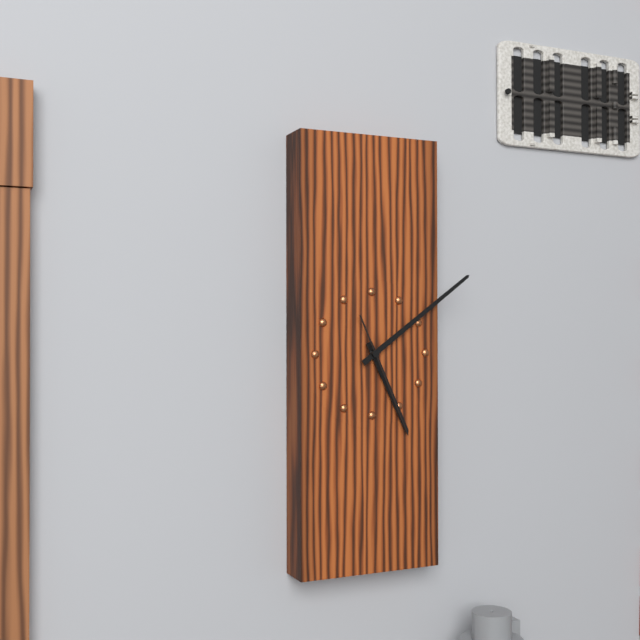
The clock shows h=5 m=9 s=26
